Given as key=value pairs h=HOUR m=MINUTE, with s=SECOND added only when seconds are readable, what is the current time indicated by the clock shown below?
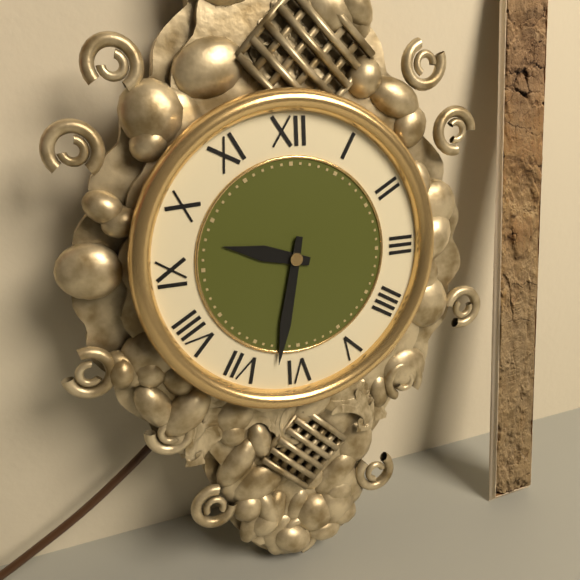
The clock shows h=9 m=32
